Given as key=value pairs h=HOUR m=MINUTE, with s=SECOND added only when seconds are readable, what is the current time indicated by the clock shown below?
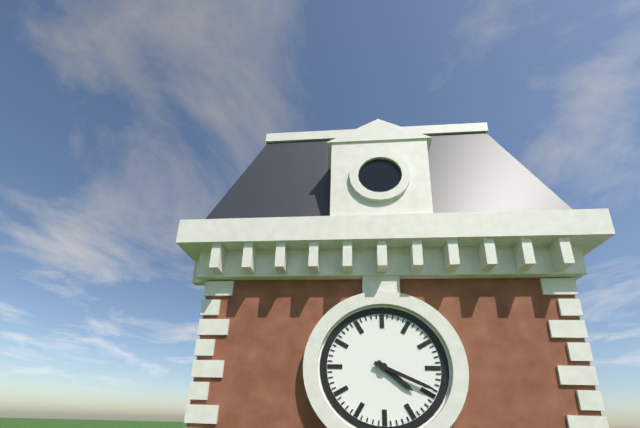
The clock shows h=4 m=19
